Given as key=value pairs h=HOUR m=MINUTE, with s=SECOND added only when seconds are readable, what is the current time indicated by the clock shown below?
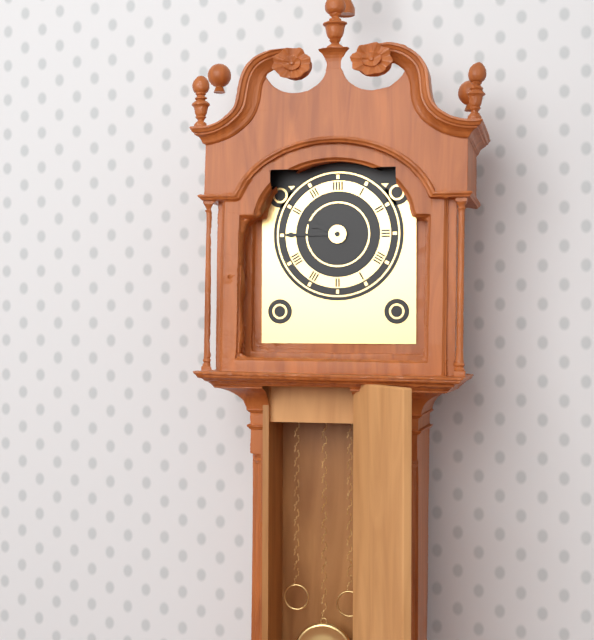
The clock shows h=9 m=45
